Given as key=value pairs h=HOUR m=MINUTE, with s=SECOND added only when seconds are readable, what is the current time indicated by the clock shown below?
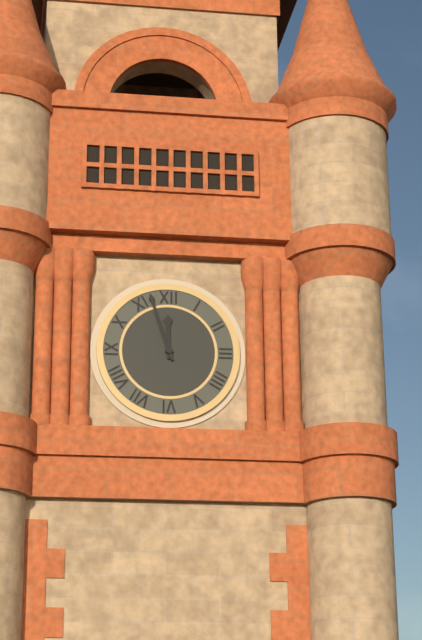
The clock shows h=11 m=57
